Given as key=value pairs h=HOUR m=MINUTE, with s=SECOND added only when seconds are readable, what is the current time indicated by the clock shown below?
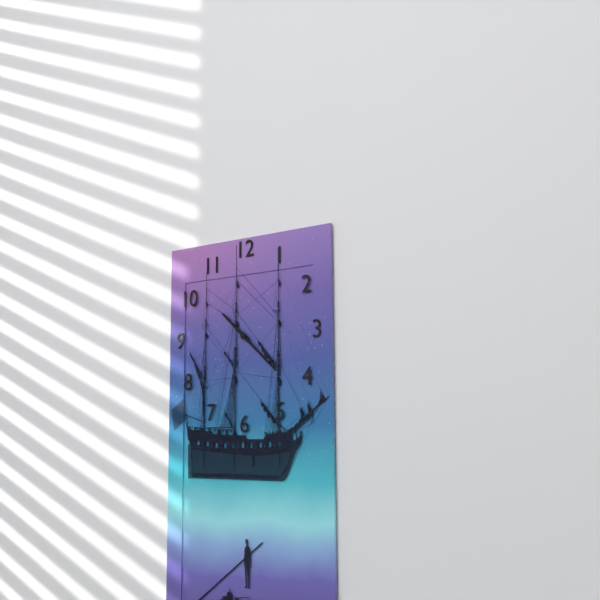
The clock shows h=10 m=22
